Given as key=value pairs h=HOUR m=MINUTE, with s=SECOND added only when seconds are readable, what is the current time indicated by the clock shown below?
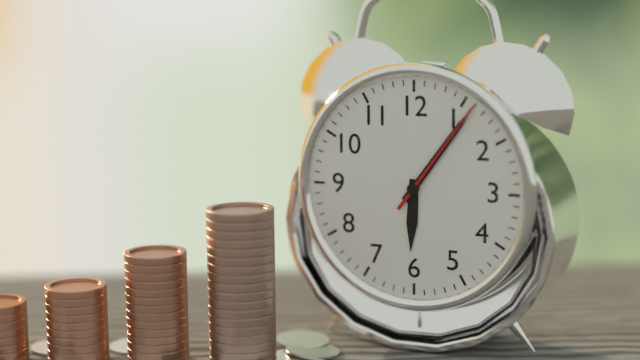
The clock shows h=6 m=6 s=6
